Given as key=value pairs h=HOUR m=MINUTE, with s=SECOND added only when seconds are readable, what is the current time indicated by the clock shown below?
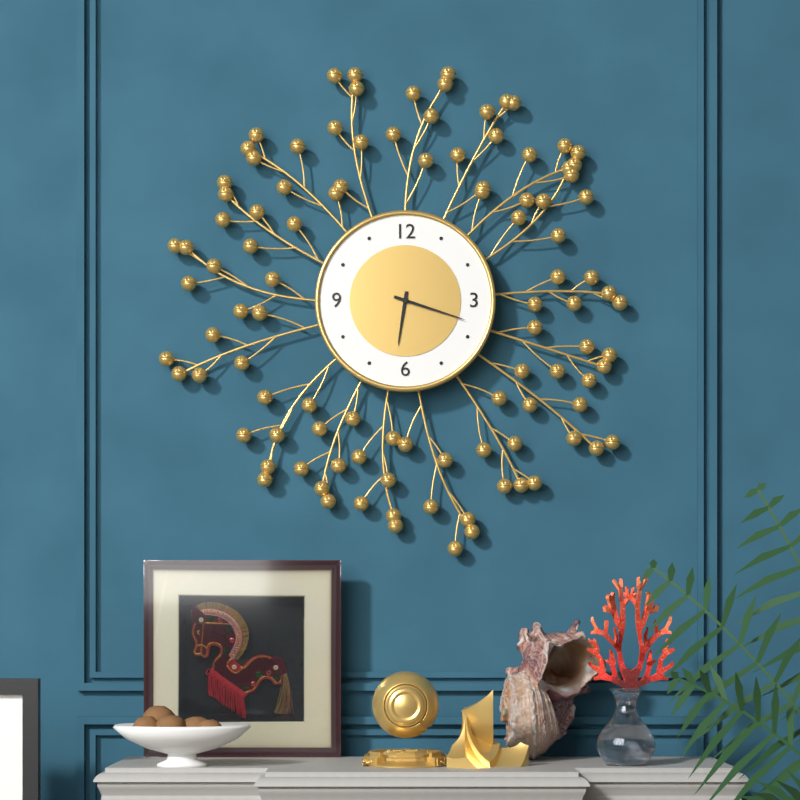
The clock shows h=6 m=18
